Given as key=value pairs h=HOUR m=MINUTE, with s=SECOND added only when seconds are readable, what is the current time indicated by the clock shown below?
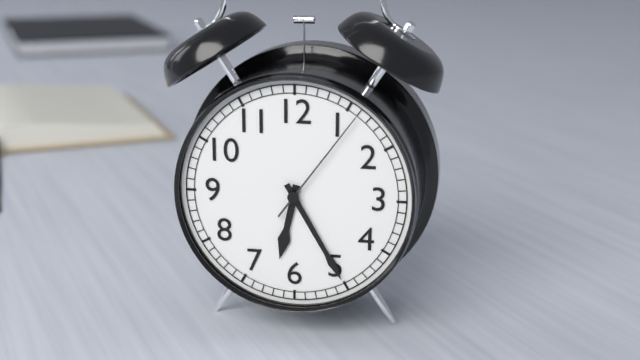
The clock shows h=6 m=25 s=6
